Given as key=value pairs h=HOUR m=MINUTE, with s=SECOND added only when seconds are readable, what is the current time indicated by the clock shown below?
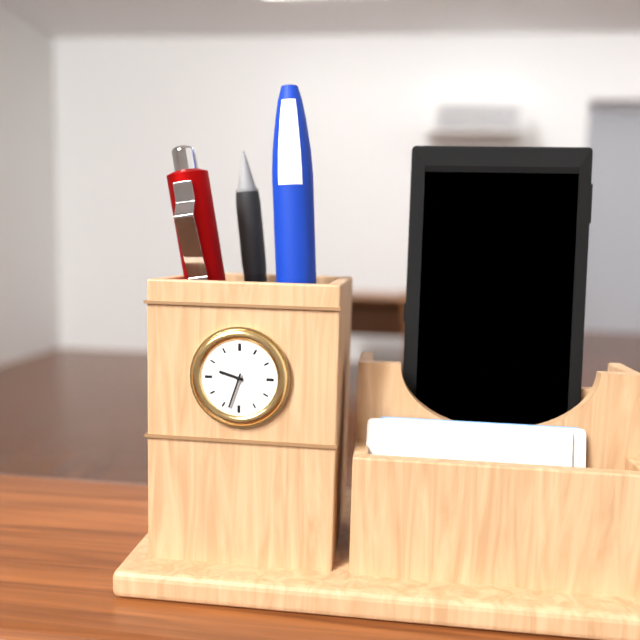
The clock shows h=9 m=33
